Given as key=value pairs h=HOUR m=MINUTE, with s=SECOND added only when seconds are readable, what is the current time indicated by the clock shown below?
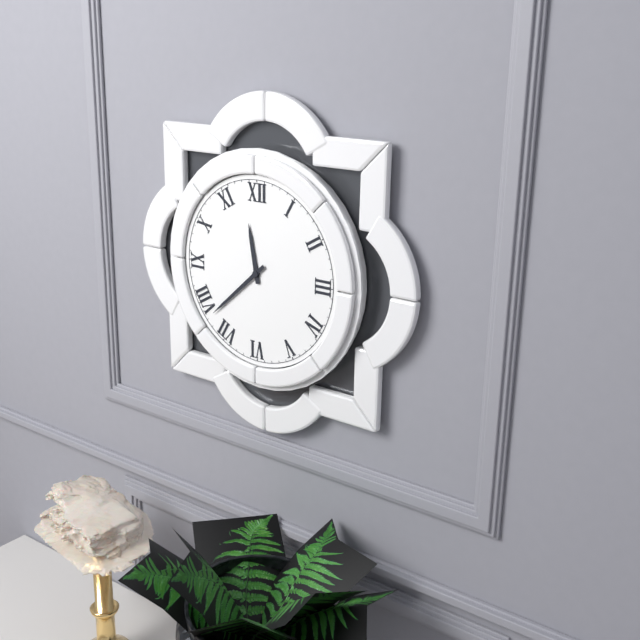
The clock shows h=11 m=38
